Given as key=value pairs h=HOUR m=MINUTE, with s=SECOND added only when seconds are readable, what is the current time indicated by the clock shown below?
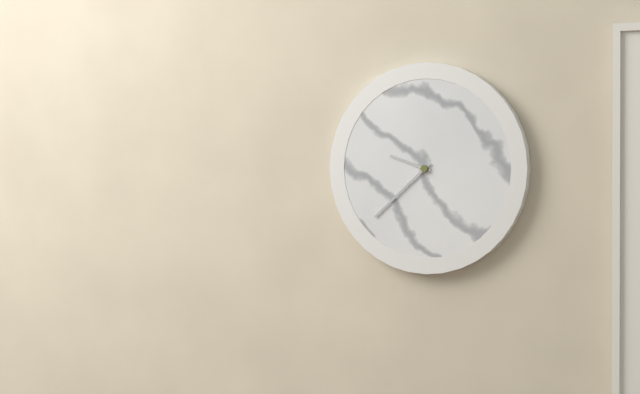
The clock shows h=9 m=38
